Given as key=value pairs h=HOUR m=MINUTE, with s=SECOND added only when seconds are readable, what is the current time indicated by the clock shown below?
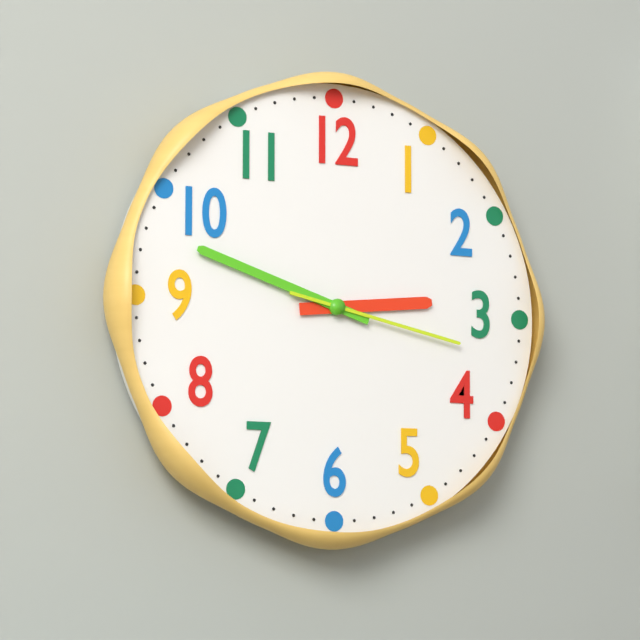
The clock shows h=2 m=48 s=17
